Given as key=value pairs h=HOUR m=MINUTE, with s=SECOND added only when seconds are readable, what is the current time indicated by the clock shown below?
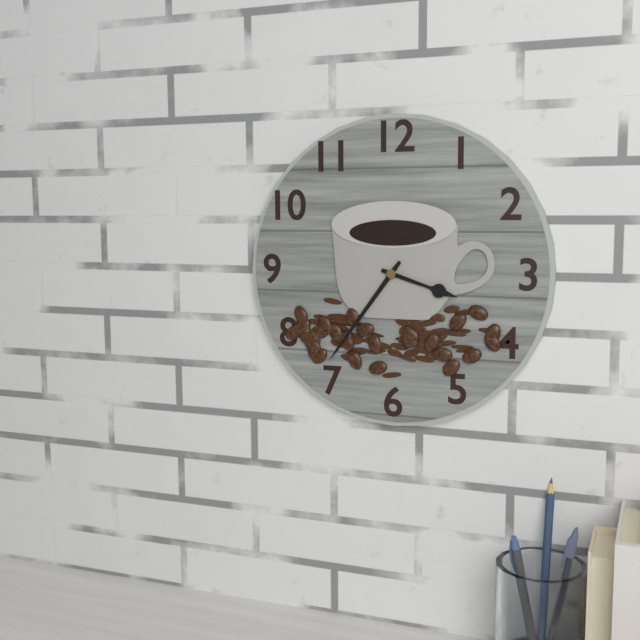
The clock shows h=3 m=36
